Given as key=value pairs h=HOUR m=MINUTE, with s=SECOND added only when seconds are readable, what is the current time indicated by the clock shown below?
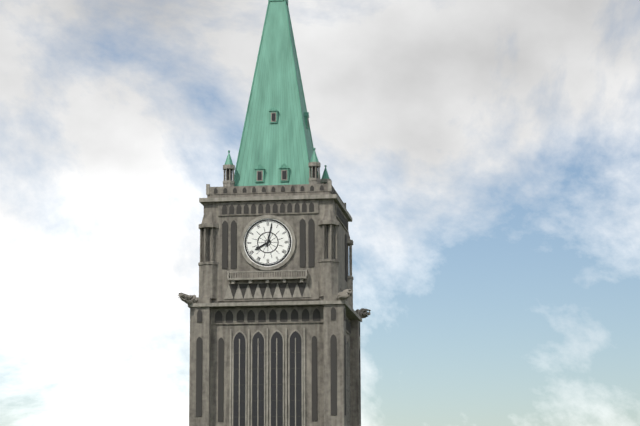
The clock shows h=8 m=2
